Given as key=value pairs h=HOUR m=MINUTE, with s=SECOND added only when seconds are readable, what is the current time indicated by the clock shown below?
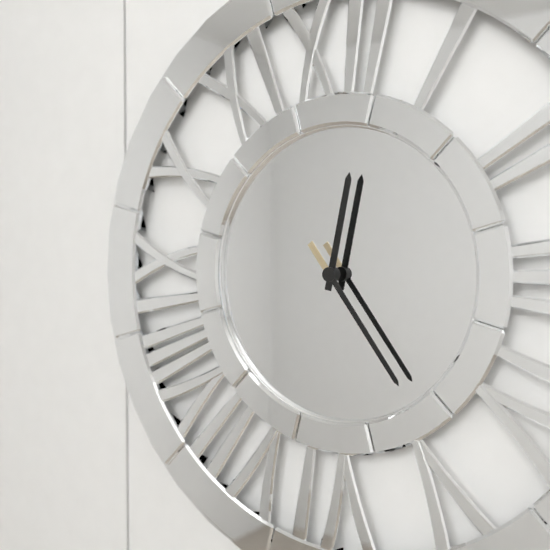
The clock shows h=12 m=24
